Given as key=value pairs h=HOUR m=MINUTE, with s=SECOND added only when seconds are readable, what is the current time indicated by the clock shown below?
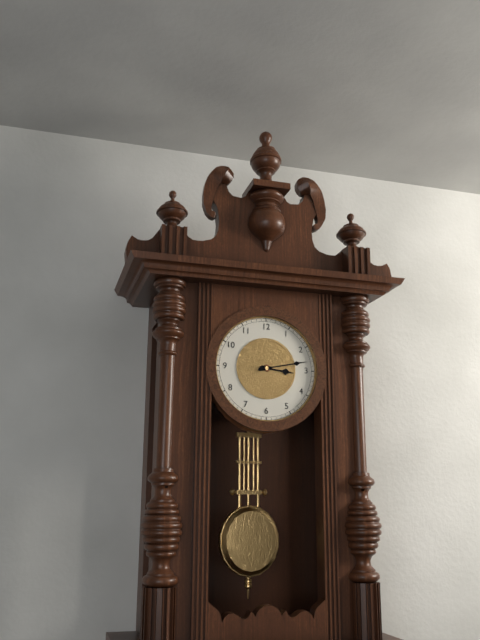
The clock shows h=3 m=13
